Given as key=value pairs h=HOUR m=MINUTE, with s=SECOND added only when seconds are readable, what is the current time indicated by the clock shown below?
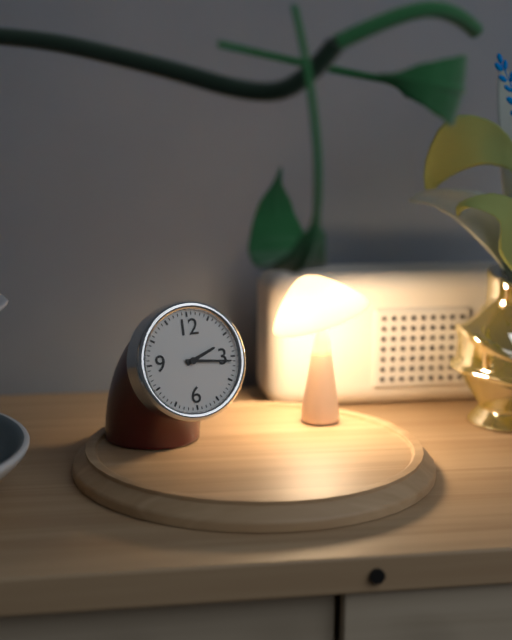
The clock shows h=2 m=16
